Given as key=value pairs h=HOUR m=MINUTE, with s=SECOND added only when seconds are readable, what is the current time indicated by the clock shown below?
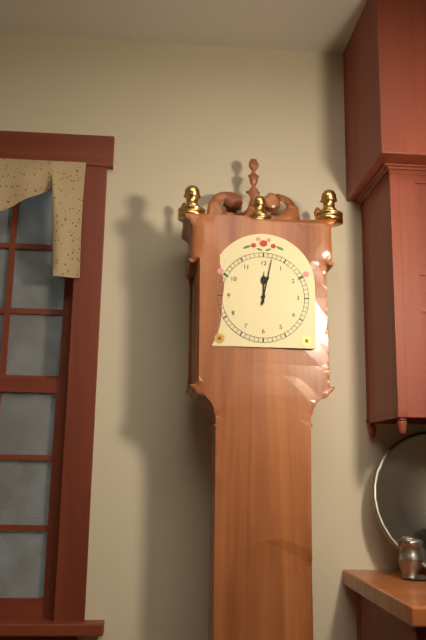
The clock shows h=12 m=2
